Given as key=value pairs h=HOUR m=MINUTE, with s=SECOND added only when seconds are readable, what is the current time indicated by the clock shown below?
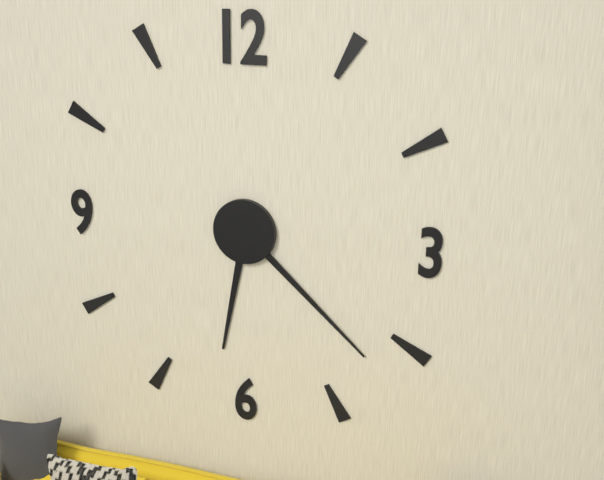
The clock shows h=6 m=22
